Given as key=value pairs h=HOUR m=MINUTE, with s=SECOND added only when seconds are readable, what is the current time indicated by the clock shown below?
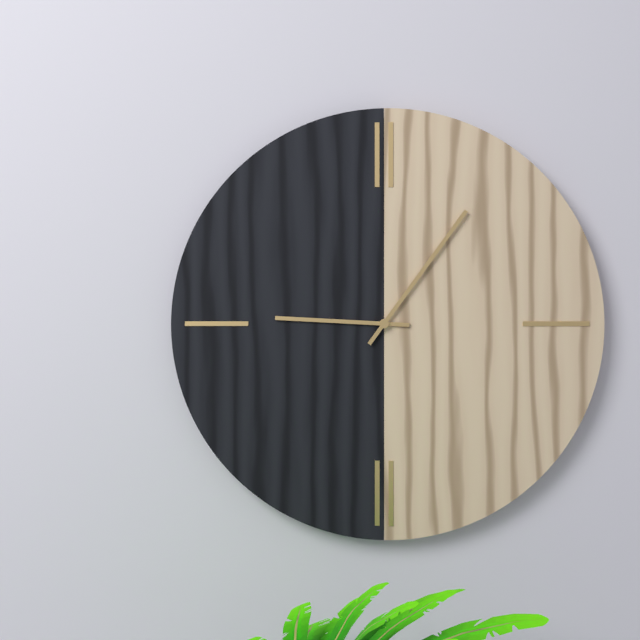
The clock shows h=9 m=6
